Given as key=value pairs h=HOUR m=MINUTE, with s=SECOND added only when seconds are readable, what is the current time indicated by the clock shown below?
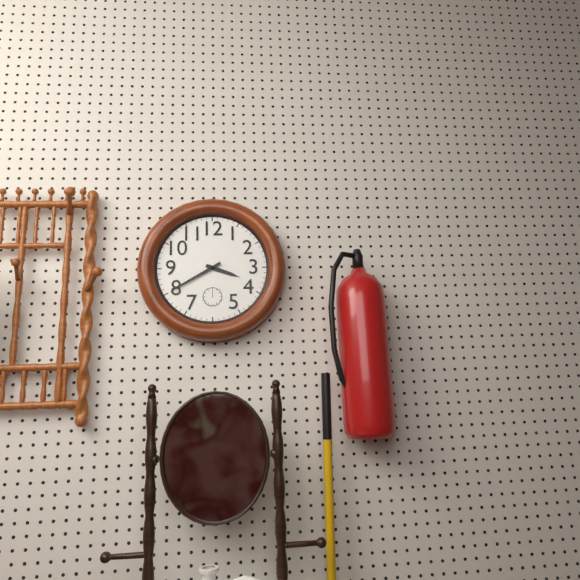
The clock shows h=3 m=40
